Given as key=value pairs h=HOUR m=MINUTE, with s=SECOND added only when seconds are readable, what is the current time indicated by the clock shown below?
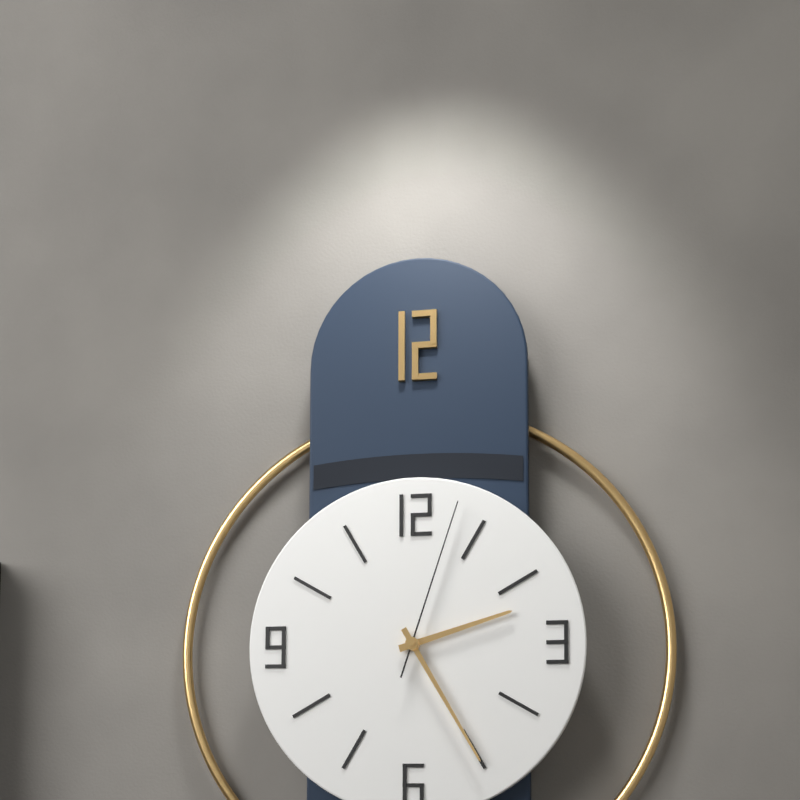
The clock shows h=2 m=25 s=3
